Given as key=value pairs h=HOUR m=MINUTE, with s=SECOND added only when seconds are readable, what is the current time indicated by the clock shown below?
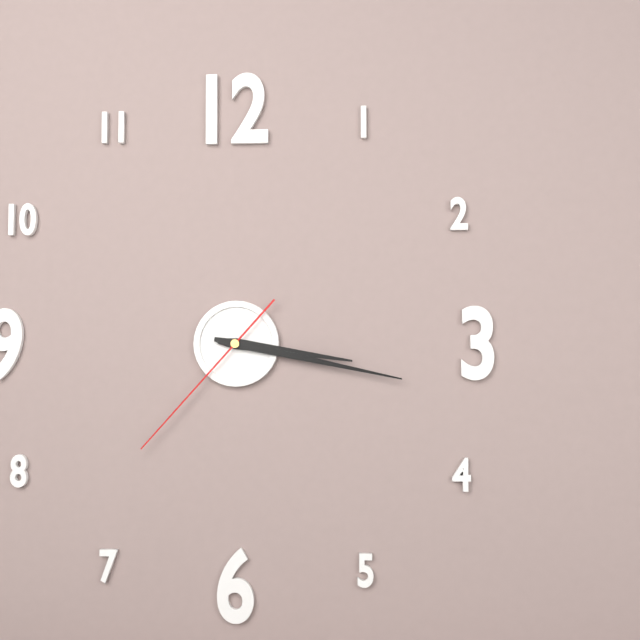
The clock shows h=3 m=17 s=37
